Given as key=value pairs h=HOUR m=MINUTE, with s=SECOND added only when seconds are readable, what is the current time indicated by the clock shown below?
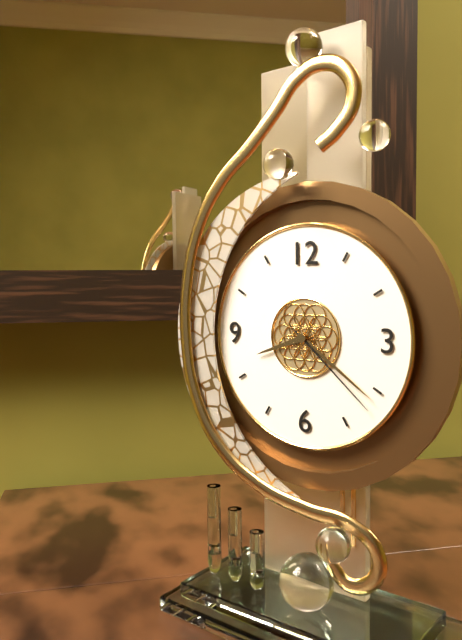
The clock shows h=8 m=21 s=22
